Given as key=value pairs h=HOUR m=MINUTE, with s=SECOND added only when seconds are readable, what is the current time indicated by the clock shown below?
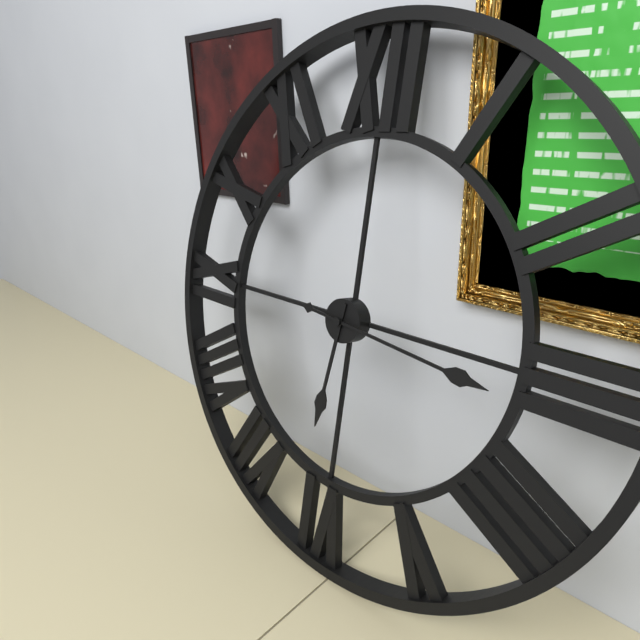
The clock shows h=6 m=16
